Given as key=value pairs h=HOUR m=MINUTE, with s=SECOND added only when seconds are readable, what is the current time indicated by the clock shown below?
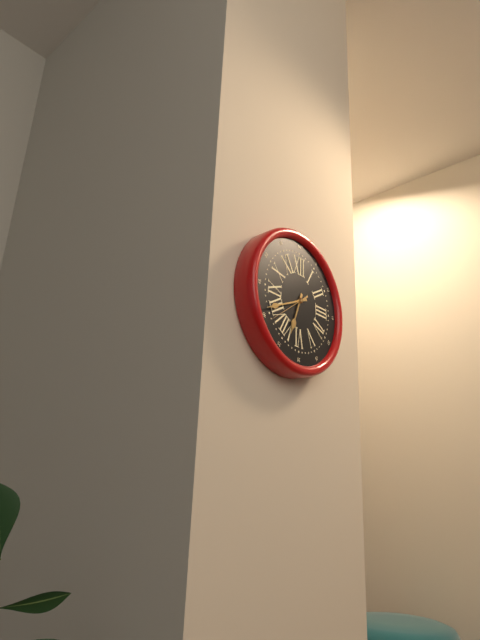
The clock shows h=6 m=41
